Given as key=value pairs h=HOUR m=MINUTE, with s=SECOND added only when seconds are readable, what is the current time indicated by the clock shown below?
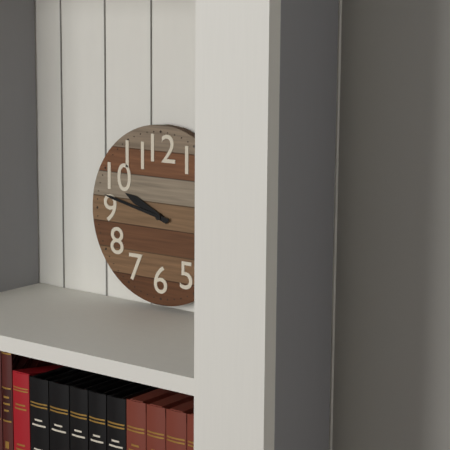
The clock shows h=9 m=47
